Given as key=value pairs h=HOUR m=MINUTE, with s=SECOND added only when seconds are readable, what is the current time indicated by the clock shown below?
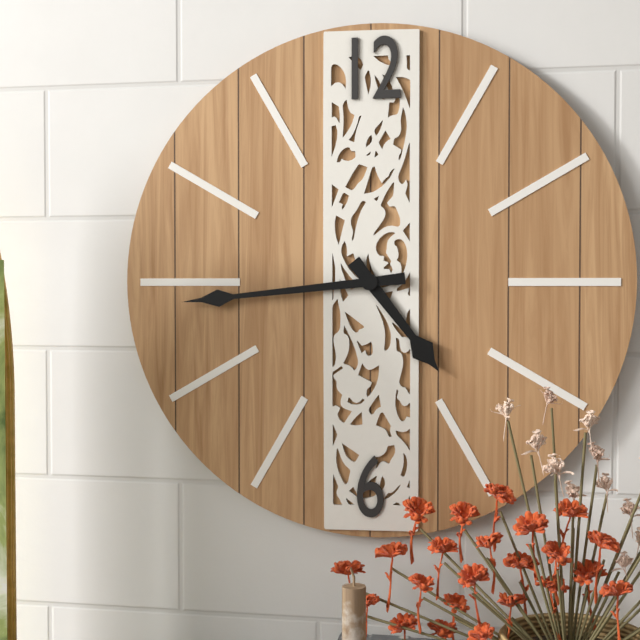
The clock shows h=4 m=44
